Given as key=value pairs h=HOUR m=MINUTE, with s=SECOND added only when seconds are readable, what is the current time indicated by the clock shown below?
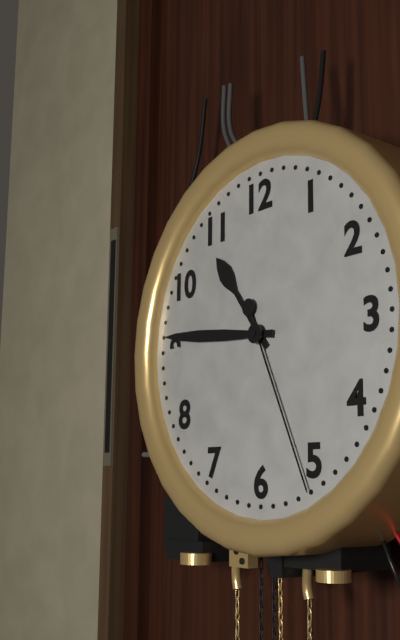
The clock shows h=10 m=46 s=26
